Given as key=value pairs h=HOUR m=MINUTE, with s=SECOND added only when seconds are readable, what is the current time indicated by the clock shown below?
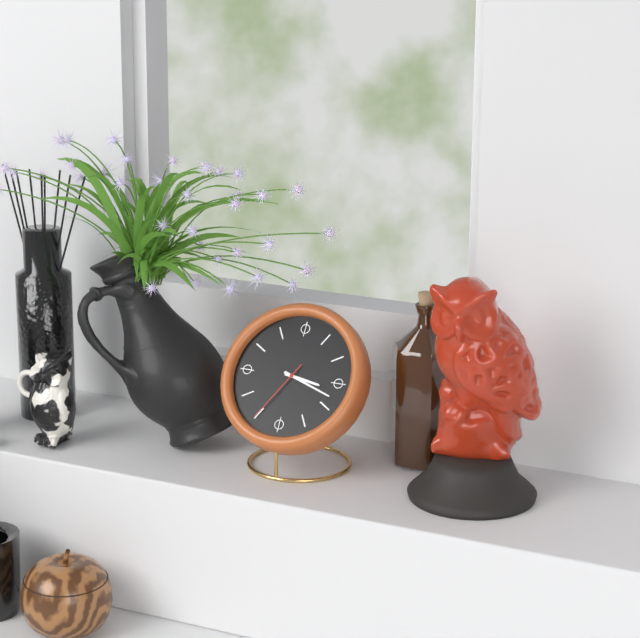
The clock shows h=3 m=18 s=35
